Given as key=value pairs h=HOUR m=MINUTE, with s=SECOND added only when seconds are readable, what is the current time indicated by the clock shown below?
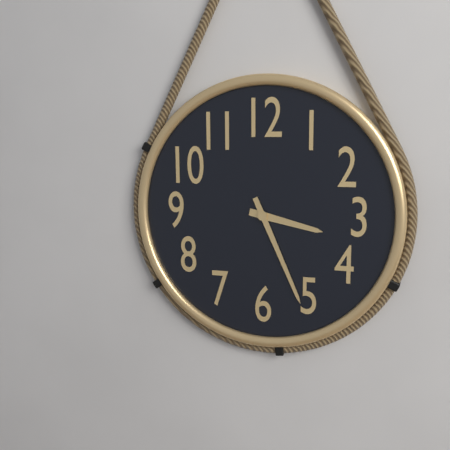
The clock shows h=3 m=26
